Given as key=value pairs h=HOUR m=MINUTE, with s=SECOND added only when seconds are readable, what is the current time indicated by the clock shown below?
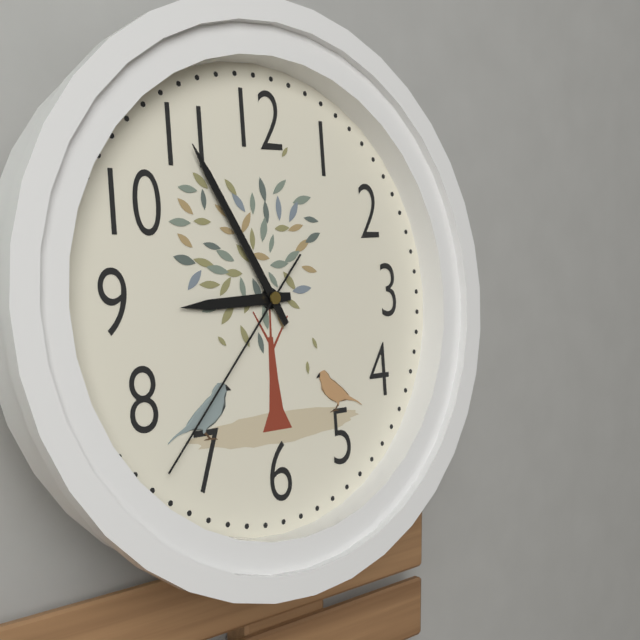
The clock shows h=8 m=55 s=37
